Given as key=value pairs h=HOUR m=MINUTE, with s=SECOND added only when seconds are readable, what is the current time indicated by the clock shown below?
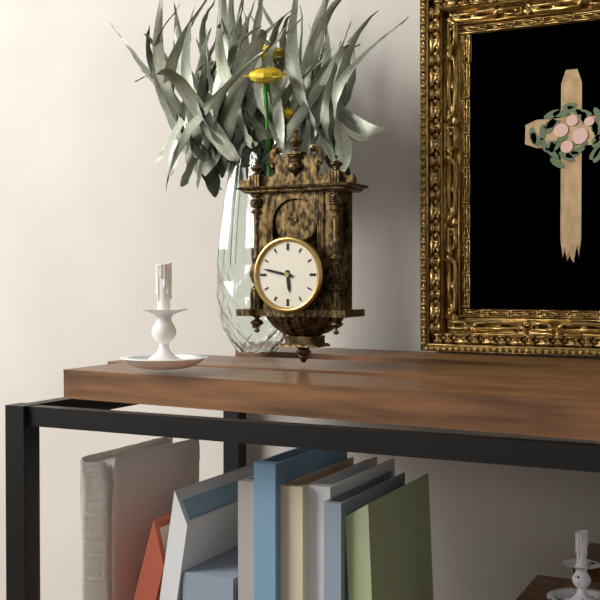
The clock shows h=5 m=47
